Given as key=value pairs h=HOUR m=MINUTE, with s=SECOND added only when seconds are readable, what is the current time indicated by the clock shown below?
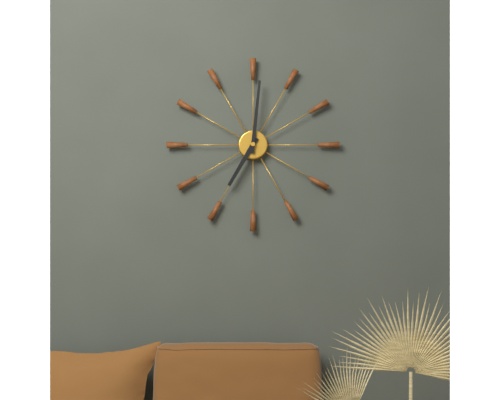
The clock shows h=7 m=1
